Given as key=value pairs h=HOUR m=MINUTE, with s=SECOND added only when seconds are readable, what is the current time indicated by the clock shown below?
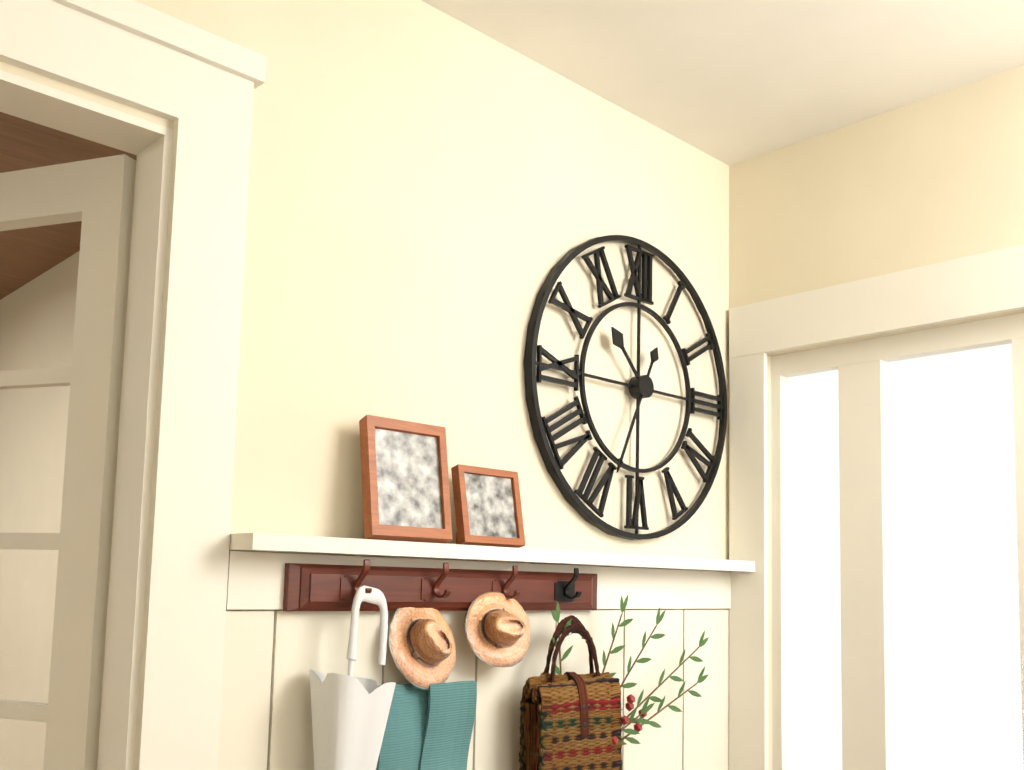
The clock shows h=10 m=34
